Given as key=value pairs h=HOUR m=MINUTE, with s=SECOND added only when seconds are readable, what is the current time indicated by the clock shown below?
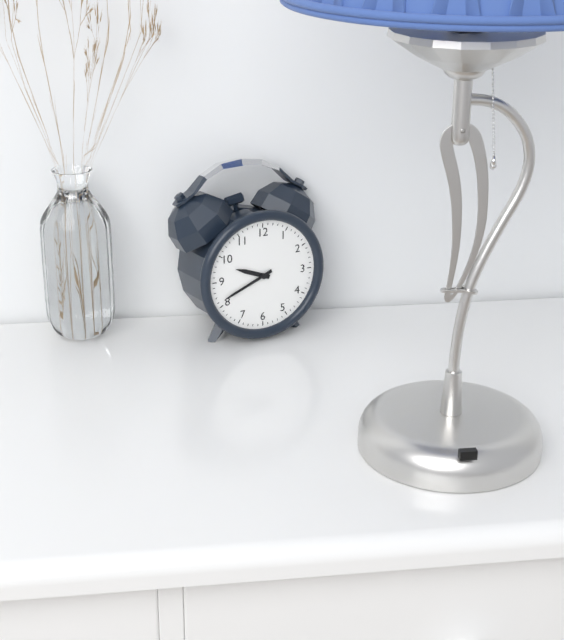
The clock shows h=9 m=41
